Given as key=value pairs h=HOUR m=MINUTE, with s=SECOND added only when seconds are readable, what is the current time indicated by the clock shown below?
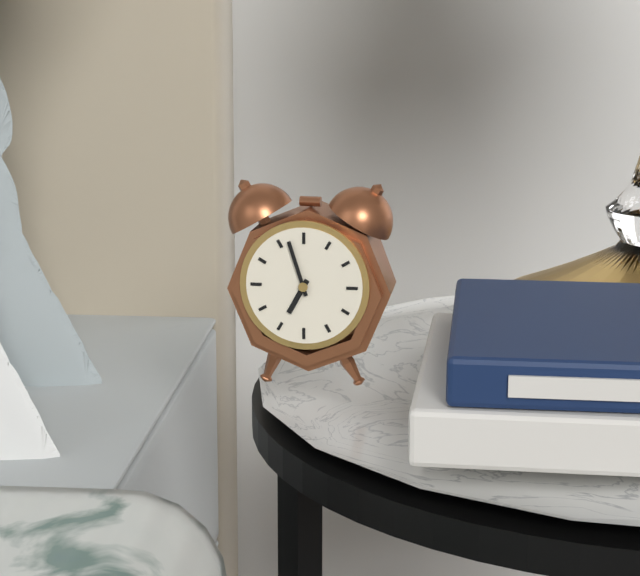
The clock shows h=6 m=57
